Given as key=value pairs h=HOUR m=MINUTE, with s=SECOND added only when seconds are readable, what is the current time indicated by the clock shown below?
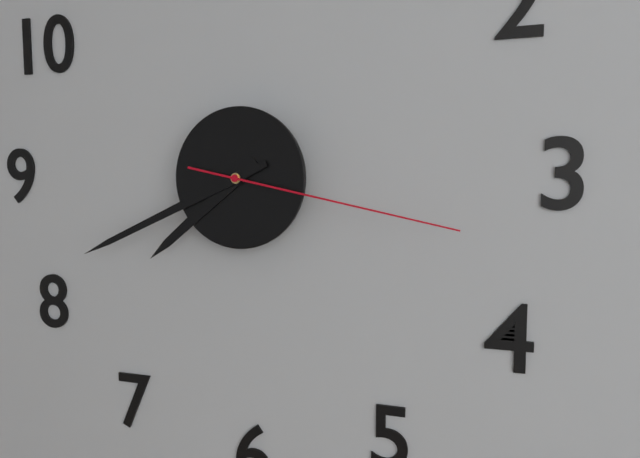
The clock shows h=7 m=41 s=17
